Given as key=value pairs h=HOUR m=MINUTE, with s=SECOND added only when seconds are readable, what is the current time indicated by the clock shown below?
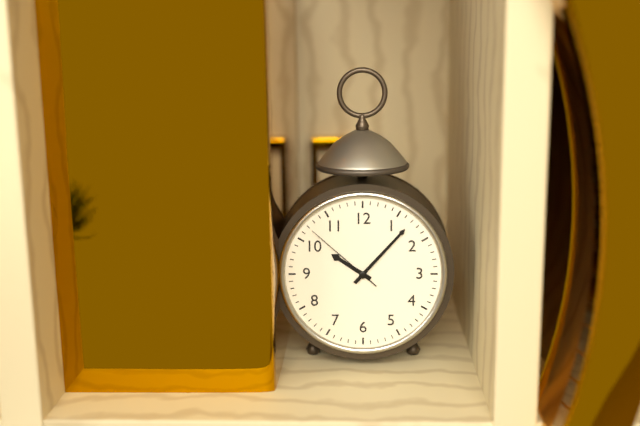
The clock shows h=10 m=7 s=52
